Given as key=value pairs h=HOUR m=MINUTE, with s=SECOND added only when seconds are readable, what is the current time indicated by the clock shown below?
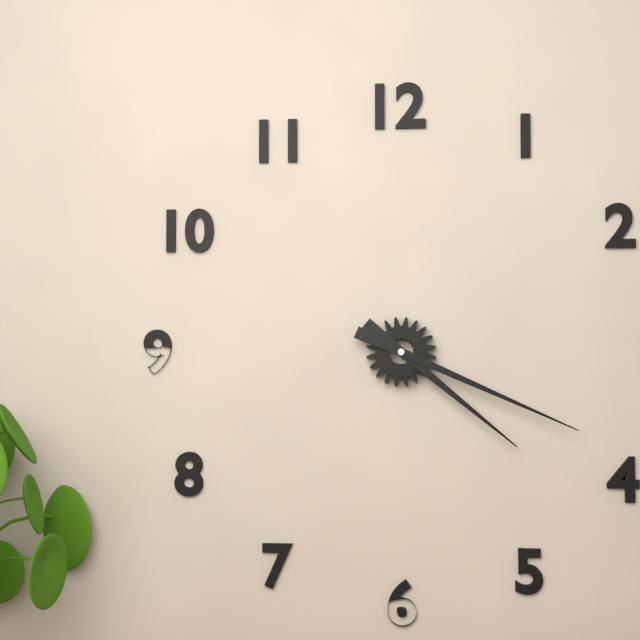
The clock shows h=4 m=19
